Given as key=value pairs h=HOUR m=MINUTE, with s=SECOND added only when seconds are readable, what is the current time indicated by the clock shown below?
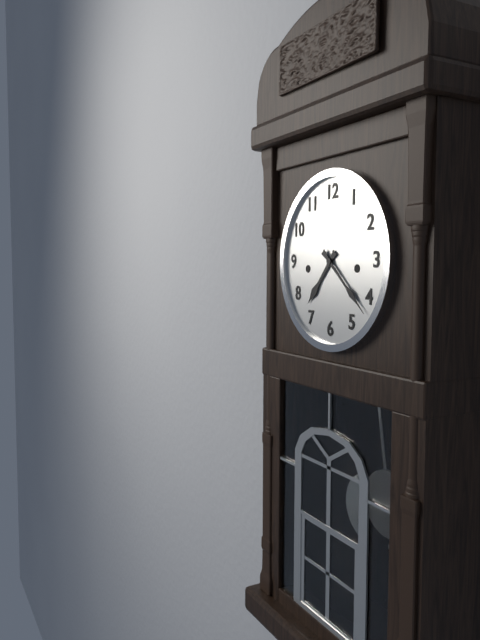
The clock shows h=7 m=22
